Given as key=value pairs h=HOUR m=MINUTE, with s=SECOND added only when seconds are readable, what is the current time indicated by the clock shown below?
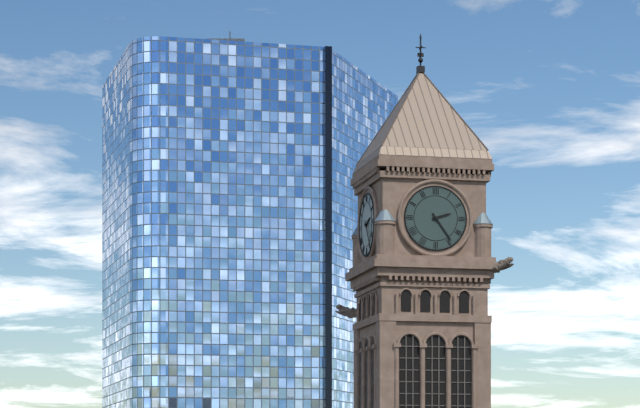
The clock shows h=2 m=24
